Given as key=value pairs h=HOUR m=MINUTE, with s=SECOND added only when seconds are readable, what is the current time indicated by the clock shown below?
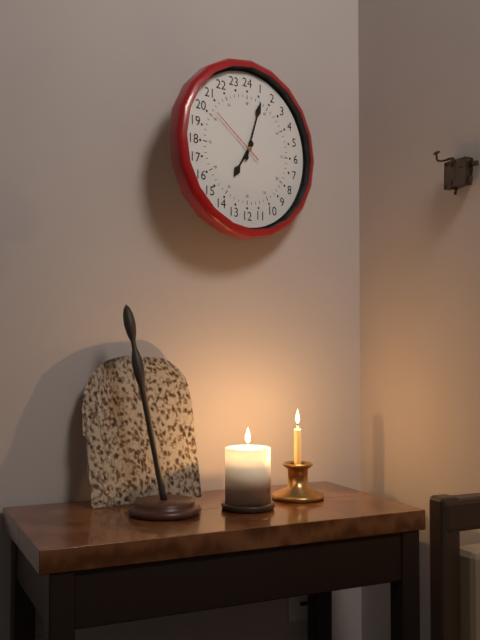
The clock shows h=7 m=3 s=51
